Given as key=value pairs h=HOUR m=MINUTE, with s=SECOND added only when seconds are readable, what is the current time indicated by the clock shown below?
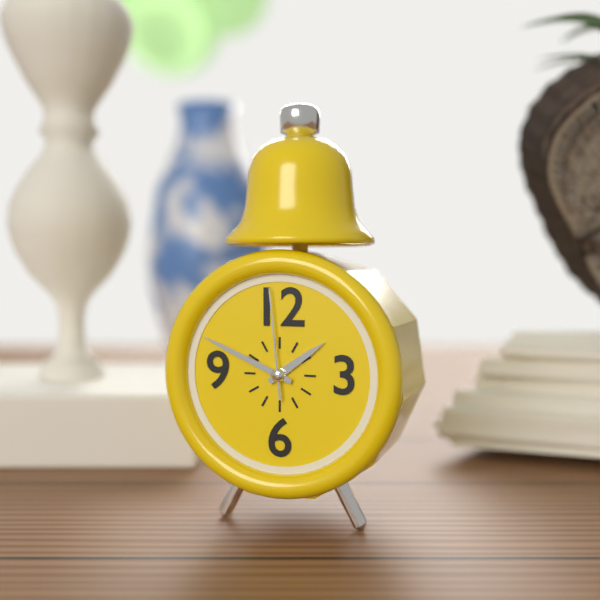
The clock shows h=1 m=49 s=59
